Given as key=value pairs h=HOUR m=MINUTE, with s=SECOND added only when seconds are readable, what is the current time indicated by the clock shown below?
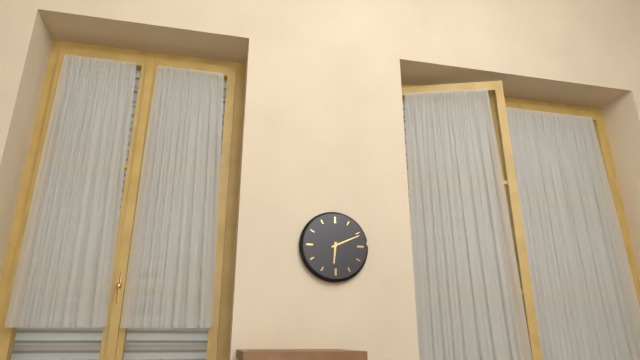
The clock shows h=6 m=11
